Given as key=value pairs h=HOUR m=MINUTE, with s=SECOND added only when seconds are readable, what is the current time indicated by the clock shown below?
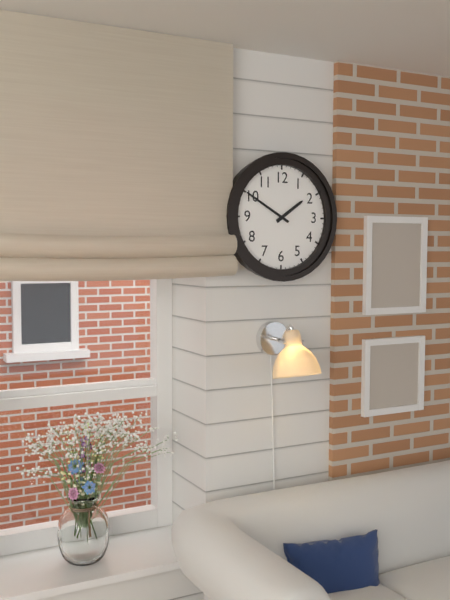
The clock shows h=1 m=50
